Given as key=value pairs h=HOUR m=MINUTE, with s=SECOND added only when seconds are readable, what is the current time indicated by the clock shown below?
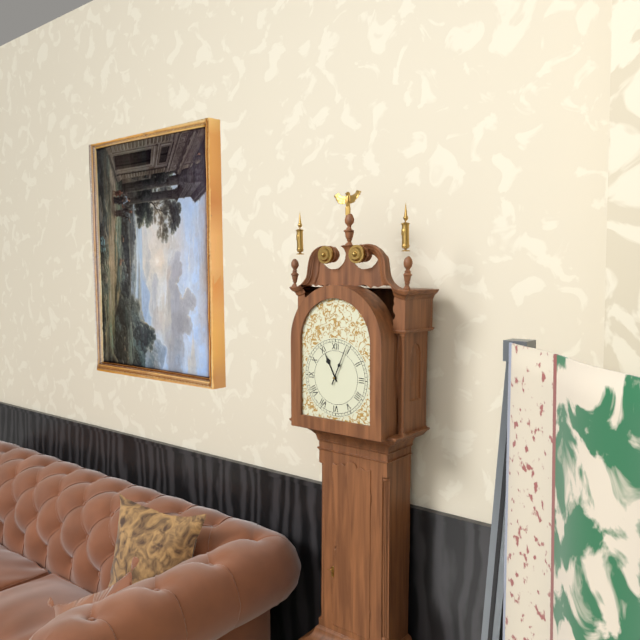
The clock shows h=11 m=4
